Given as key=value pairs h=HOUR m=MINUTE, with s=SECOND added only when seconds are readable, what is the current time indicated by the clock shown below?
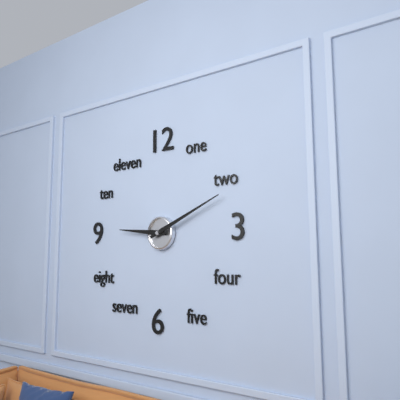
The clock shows h=9 m=11
